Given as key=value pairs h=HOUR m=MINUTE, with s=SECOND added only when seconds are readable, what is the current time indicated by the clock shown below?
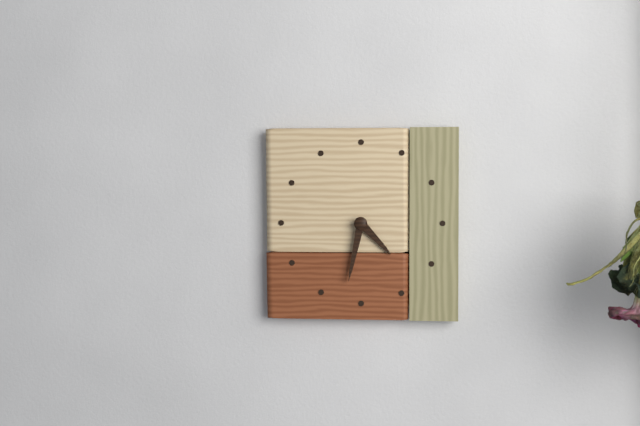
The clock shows h=4 m=32
